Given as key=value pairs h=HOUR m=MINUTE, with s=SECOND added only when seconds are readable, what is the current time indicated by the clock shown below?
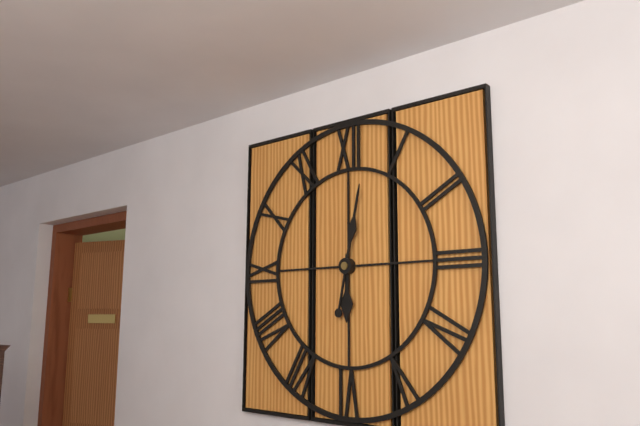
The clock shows h=6 m=2
